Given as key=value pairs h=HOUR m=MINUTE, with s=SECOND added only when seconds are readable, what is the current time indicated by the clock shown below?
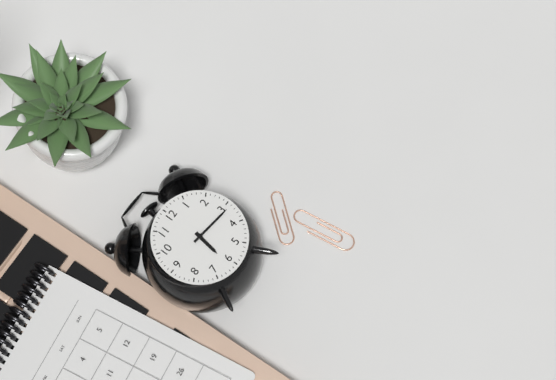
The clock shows h=6 m=16
